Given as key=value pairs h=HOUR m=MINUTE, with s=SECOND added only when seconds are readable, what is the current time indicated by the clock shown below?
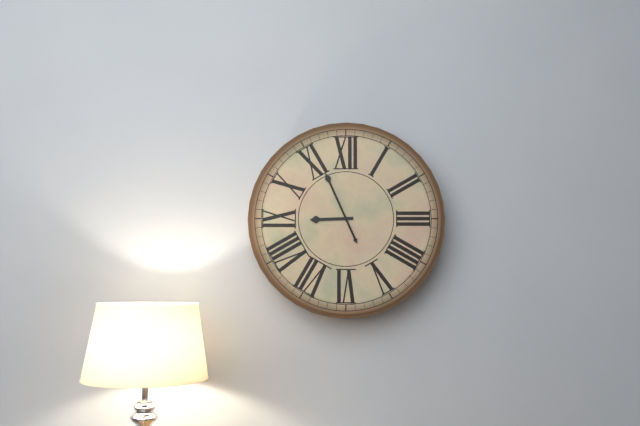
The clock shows h=8 m=56
